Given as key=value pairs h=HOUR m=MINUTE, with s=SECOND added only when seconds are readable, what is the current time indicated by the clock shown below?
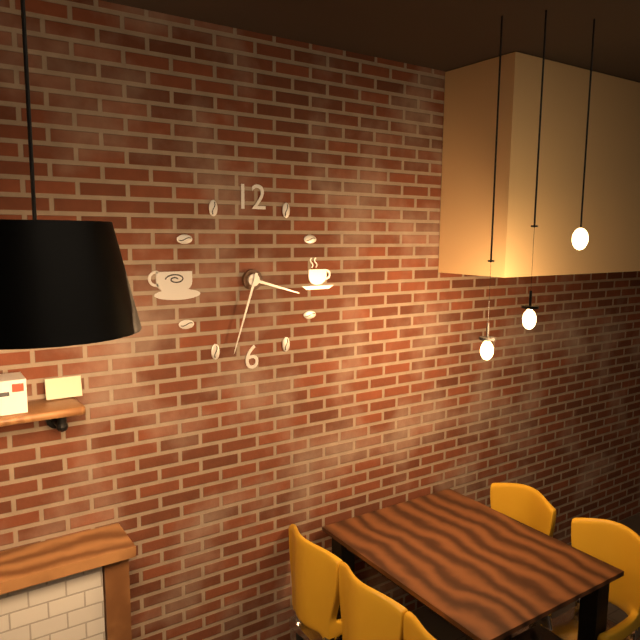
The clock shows h=3 m=33
